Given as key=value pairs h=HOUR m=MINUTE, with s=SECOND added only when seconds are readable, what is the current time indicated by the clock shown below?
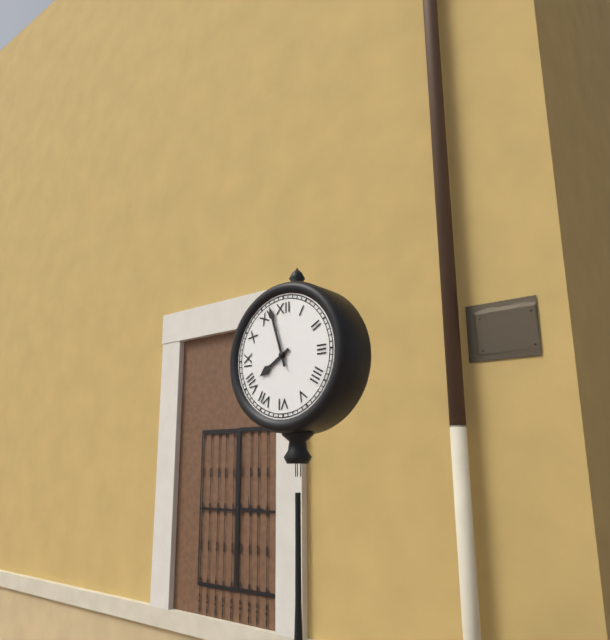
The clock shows h=7 m=57
